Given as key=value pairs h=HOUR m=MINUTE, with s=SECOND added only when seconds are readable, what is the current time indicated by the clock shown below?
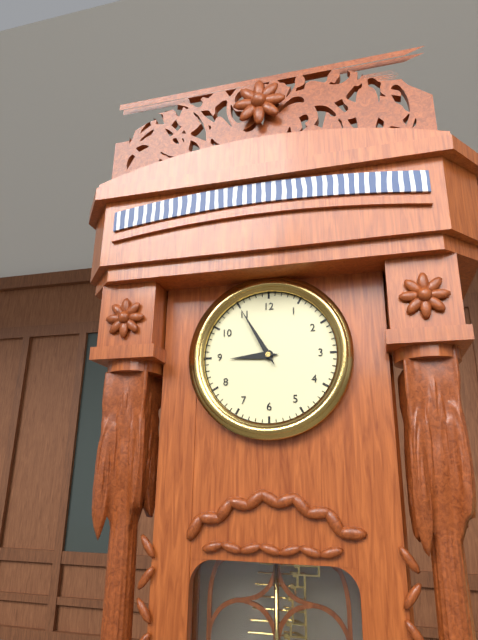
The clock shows h=8 m=55
